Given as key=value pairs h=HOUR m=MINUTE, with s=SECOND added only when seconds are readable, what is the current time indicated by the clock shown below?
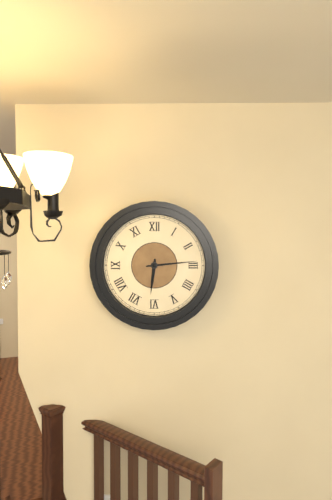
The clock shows h=6 m=14
